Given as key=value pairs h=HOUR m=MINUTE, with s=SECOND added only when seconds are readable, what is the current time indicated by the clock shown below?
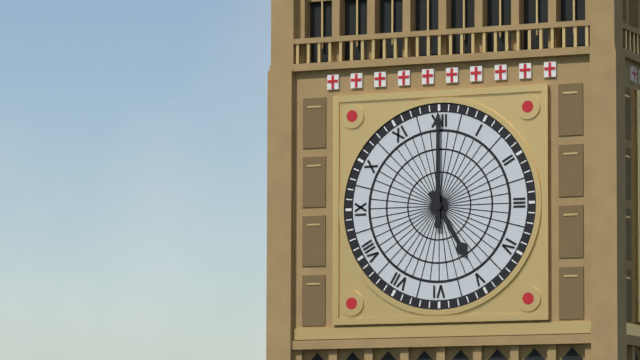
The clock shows h=5 m=0
